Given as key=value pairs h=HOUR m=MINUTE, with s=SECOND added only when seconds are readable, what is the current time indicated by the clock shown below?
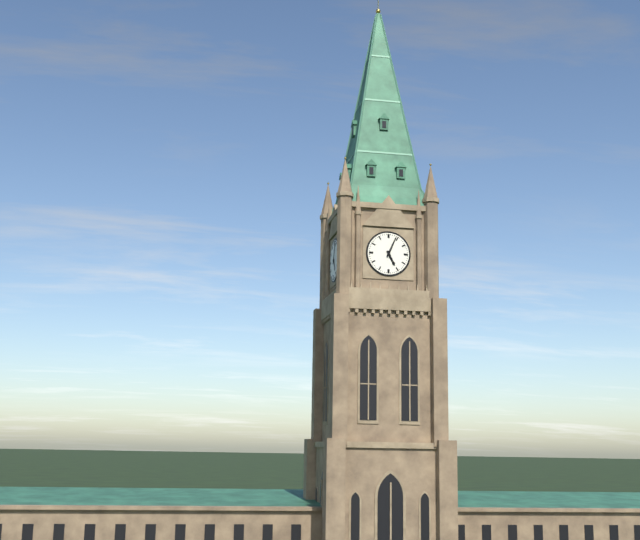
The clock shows h=5 m=4
